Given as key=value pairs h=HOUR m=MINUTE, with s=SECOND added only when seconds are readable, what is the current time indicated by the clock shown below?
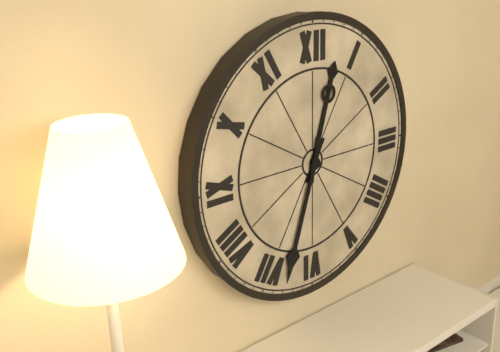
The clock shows h=12 m=33
